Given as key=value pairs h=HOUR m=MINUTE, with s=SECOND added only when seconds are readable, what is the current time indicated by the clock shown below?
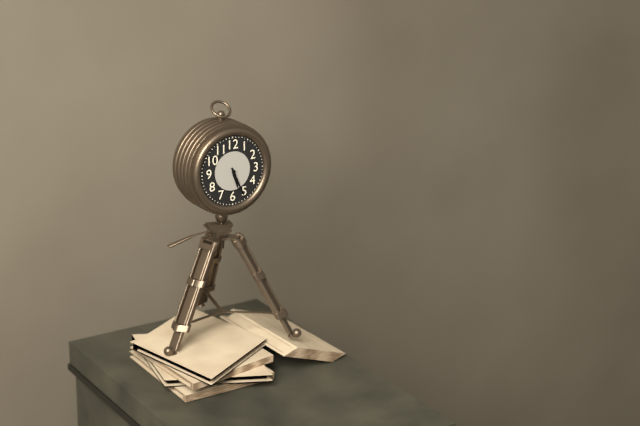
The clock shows h=5 m=26
